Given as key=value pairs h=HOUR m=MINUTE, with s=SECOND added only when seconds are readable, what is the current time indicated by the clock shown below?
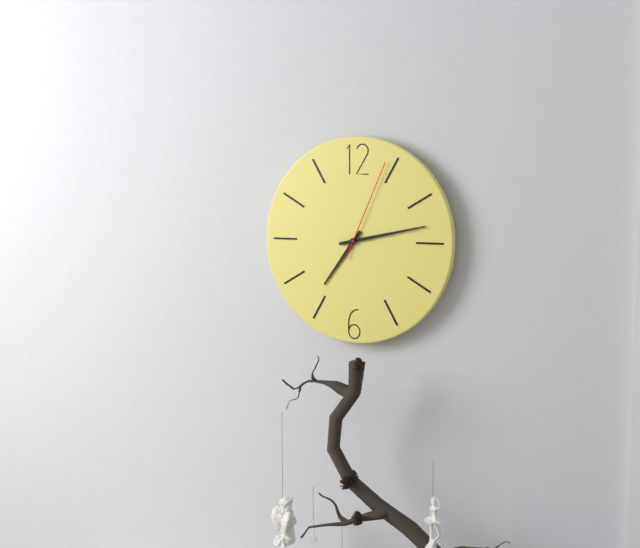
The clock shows h=7 m=13 s=4
